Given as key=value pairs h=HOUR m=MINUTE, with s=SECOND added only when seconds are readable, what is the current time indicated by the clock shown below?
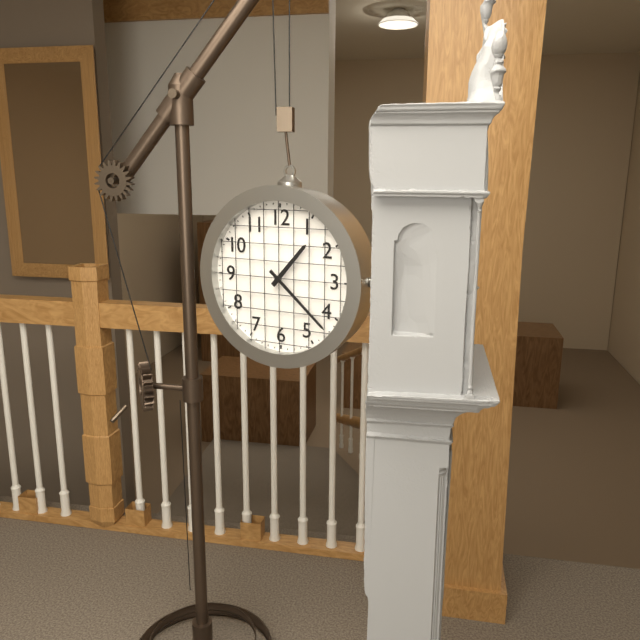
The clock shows h=1 m=22
